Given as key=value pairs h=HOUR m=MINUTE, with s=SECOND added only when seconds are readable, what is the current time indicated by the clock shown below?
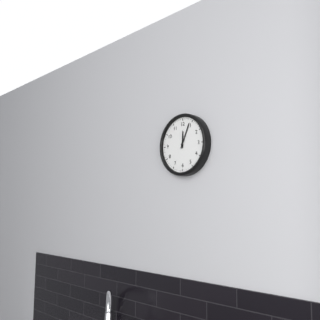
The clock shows h=12 m=4
